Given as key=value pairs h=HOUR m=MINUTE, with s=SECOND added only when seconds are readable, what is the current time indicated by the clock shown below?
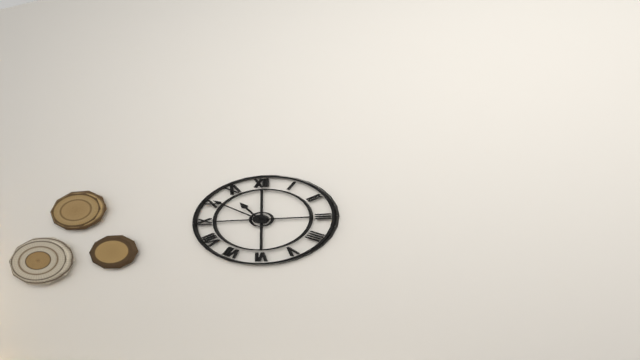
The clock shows h=10 m=51
